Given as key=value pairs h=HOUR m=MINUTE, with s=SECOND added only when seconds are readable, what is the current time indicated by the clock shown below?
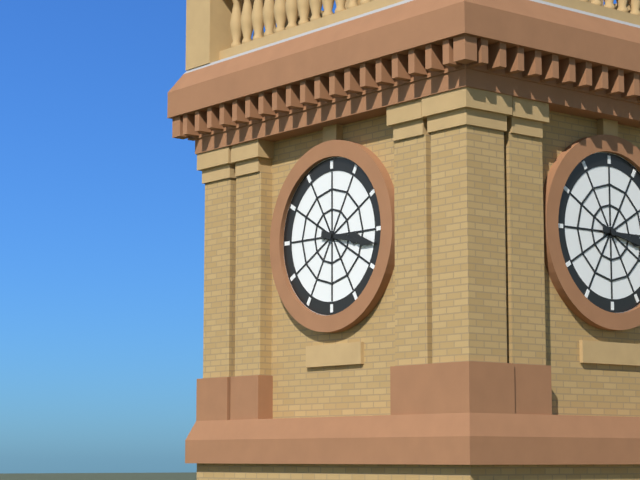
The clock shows h=3 m=17
